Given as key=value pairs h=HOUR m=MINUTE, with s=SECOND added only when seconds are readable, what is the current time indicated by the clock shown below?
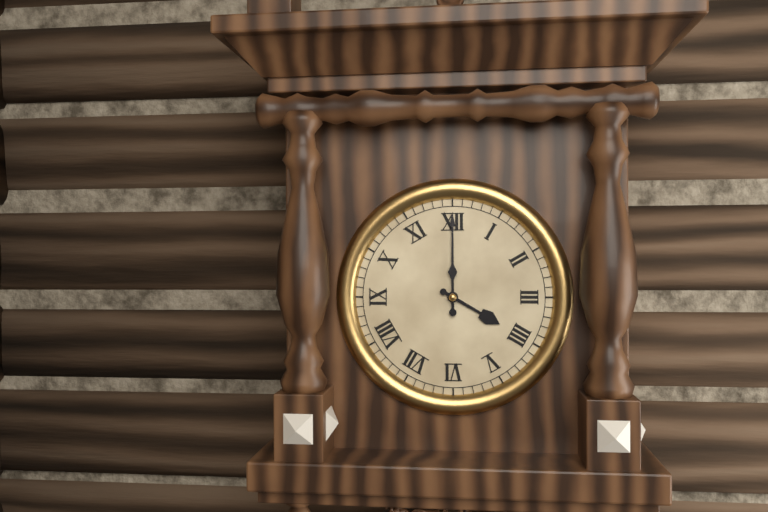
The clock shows h=4 m=0
